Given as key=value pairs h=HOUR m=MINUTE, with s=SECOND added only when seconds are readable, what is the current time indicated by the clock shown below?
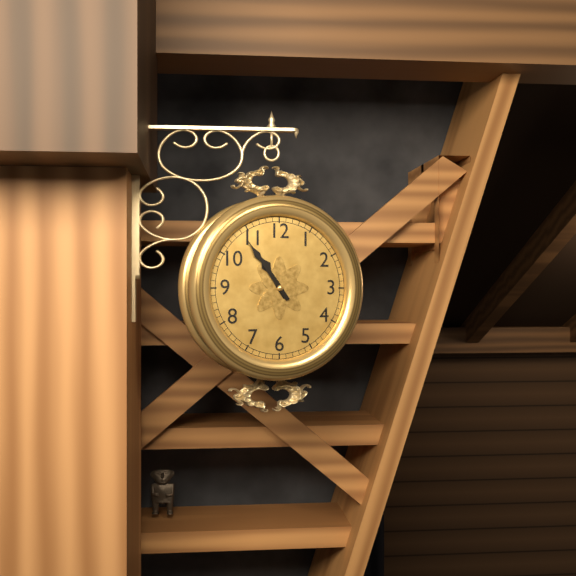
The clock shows h=10 m=54
